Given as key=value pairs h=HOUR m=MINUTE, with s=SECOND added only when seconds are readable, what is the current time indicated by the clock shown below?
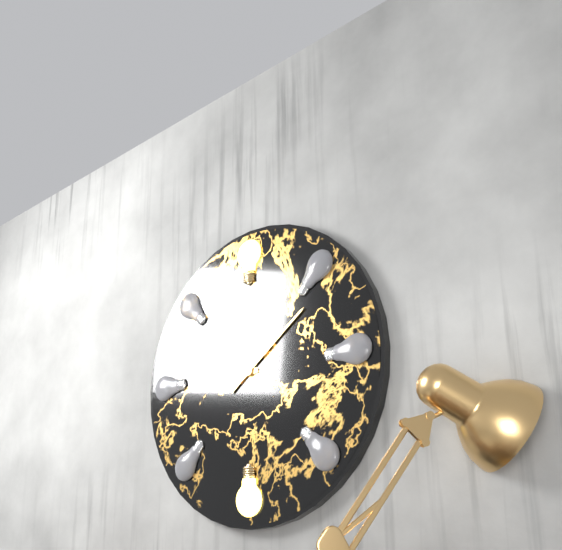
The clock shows h=9 m=9
